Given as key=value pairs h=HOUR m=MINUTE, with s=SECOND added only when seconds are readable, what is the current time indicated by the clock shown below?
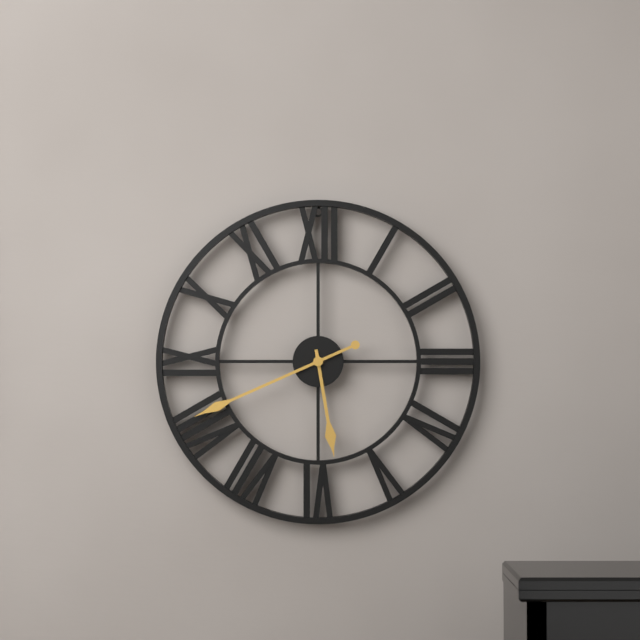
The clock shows h=5 m=41
